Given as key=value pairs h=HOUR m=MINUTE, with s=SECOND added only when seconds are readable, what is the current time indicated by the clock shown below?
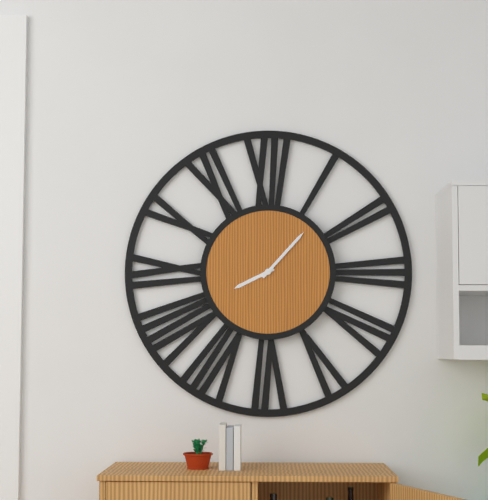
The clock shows h=8 m=7
